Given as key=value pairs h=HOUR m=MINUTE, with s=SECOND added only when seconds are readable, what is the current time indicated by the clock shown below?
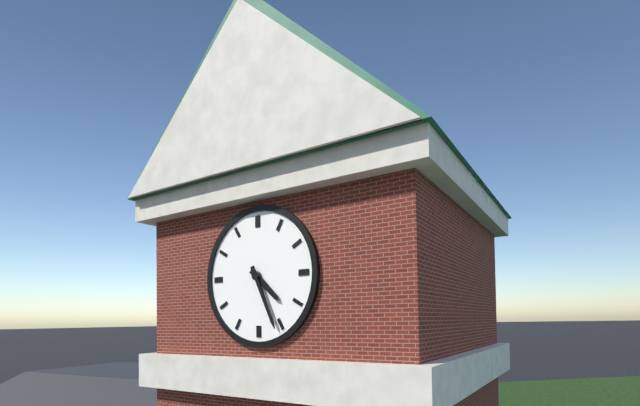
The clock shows h=4 m=26
